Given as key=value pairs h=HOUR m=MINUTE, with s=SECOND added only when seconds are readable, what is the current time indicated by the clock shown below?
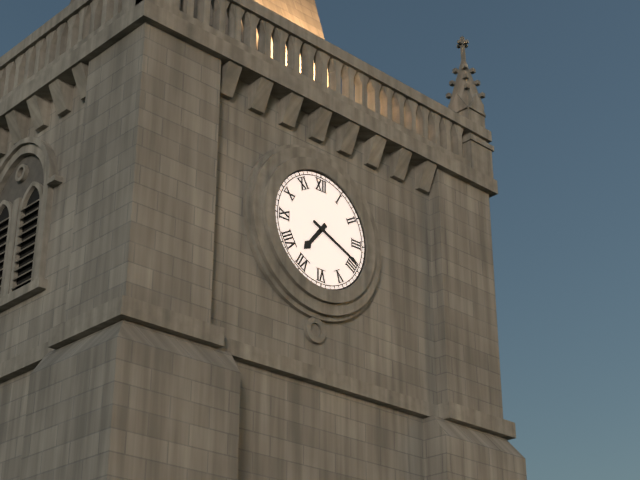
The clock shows h=7 m=19
